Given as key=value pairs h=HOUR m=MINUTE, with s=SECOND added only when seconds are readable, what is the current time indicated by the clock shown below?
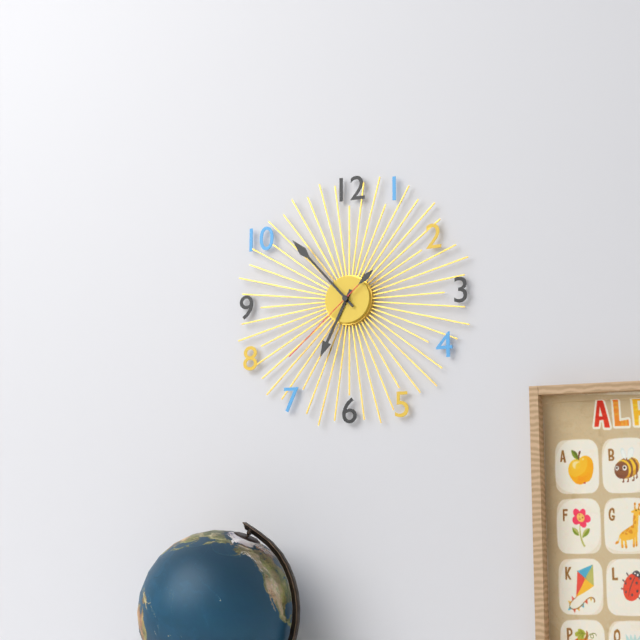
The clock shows h=6 m=53 s=38
